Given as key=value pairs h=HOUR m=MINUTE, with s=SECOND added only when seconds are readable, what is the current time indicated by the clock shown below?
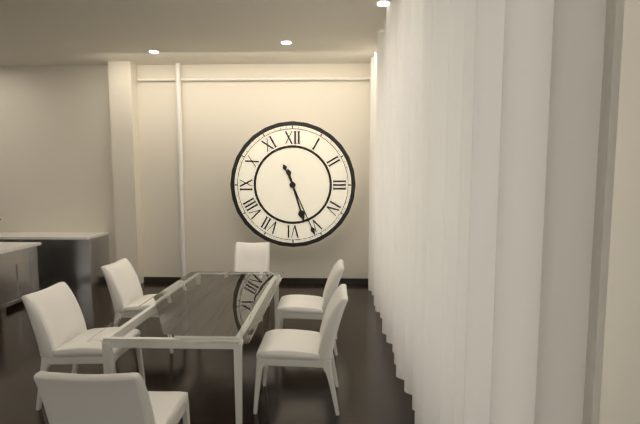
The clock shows h=5 m=26
